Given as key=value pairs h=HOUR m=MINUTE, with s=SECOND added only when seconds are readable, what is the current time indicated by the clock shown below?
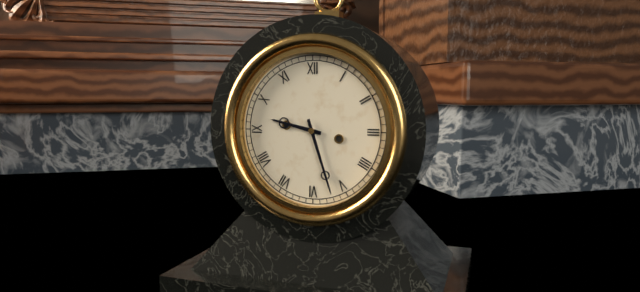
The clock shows h=9 m=27
